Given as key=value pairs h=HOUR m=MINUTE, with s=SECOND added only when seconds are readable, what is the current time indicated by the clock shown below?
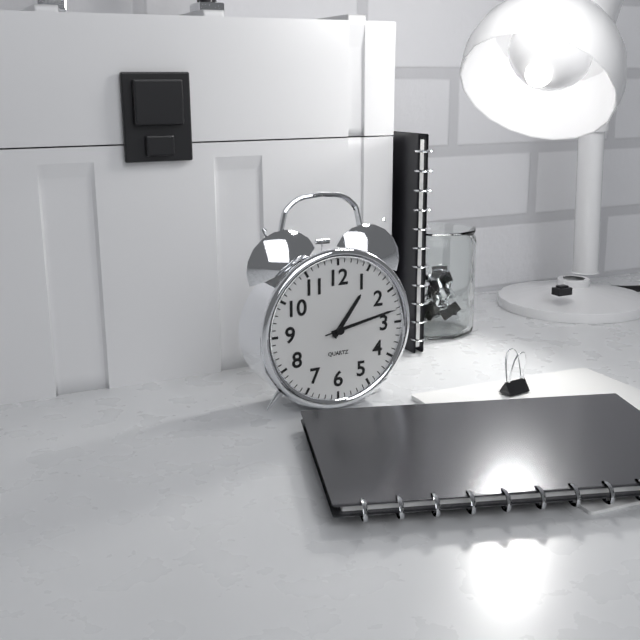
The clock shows h=1 m=13 s=13
